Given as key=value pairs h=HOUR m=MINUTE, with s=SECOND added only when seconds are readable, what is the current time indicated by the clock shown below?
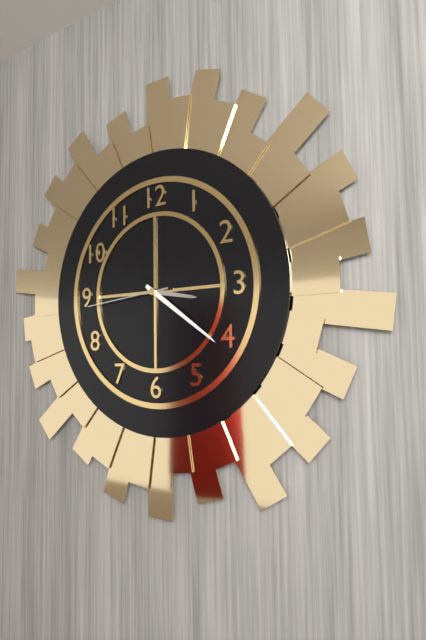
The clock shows h=3 m=21 s=44
